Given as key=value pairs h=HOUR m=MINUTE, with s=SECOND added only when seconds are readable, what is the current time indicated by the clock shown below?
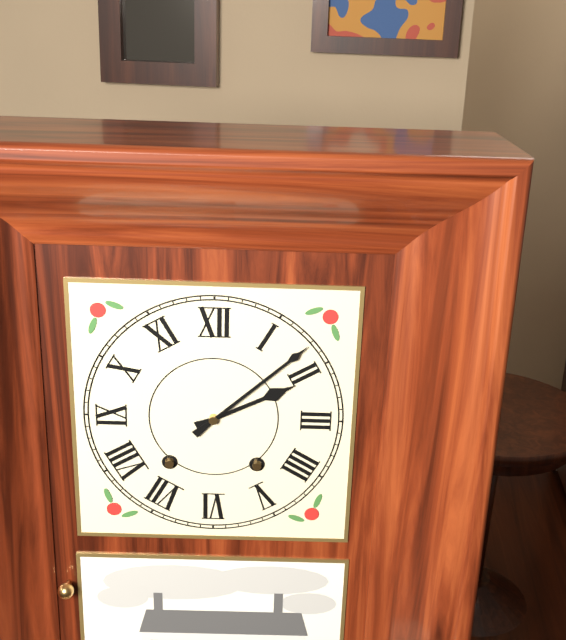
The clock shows h=2 m=8
